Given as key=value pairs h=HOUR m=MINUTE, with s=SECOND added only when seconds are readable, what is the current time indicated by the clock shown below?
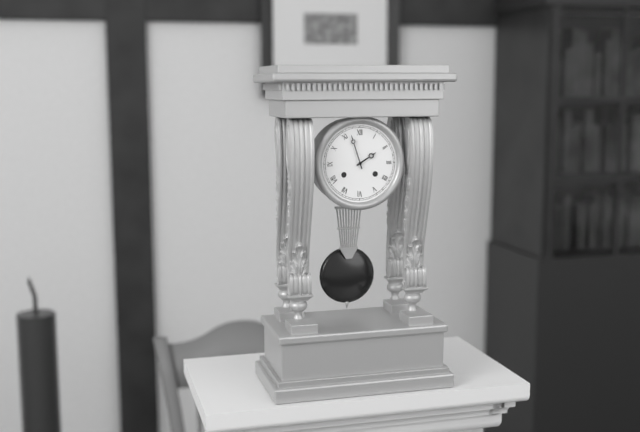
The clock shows h=1 m=57
